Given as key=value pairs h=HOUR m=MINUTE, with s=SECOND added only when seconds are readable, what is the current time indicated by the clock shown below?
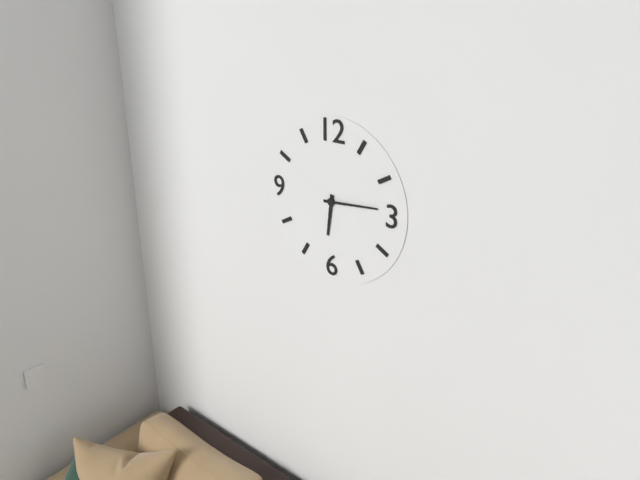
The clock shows h=6 m=14
